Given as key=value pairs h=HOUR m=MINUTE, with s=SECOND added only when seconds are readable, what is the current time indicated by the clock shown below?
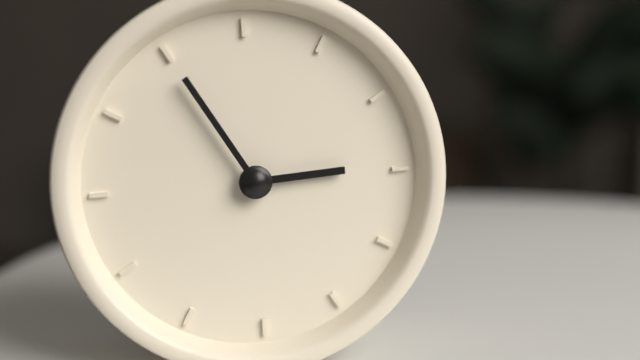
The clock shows h=2 m=55
